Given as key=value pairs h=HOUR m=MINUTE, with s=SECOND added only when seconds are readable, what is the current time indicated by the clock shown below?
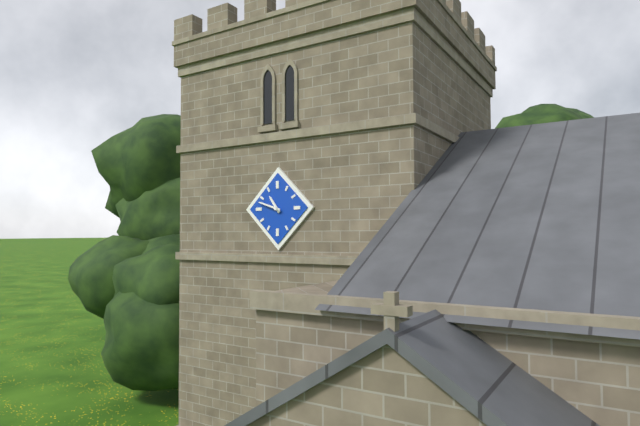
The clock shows h=10 m=48
